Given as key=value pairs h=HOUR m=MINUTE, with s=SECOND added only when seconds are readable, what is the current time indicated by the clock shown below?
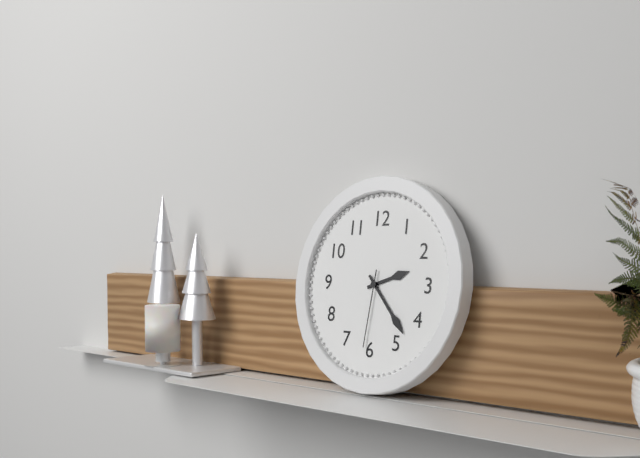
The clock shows h=2 m=23 s=31
